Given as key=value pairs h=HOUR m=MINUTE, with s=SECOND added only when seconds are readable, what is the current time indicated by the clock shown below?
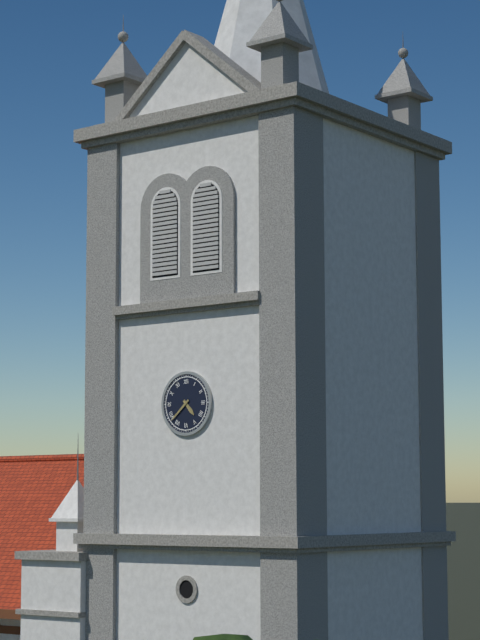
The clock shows h=4 m=38
